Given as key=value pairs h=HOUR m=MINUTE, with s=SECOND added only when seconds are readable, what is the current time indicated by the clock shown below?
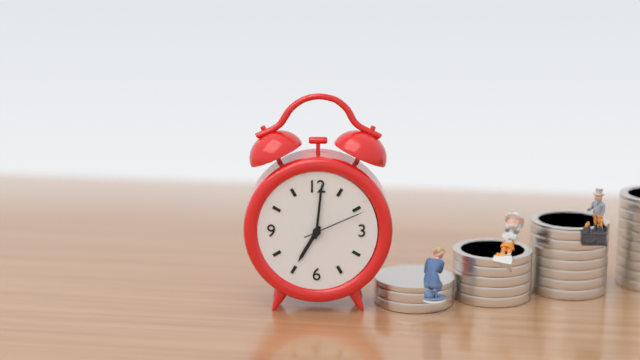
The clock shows h=7 m=1 s=11
